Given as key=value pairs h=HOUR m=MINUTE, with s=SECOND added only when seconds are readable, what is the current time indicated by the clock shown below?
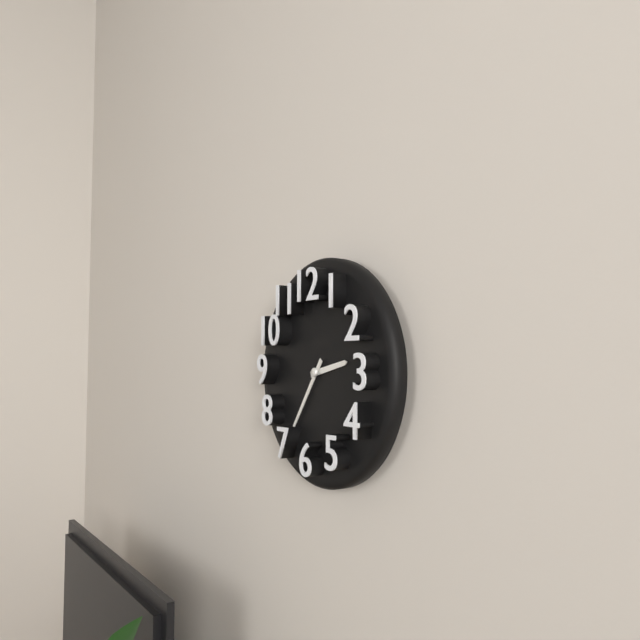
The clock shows h=2 m=36
